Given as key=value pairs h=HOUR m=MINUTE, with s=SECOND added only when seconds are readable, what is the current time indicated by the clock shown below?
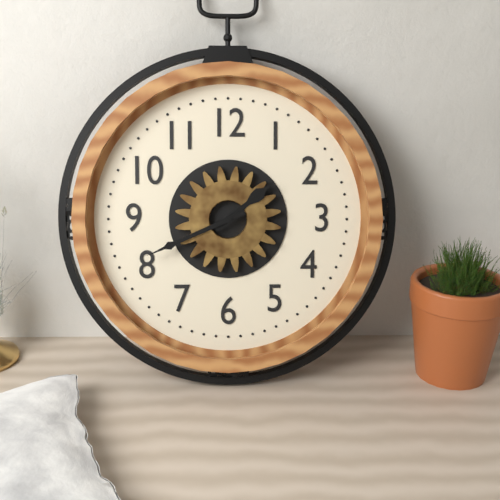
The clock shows h=1 m=41
